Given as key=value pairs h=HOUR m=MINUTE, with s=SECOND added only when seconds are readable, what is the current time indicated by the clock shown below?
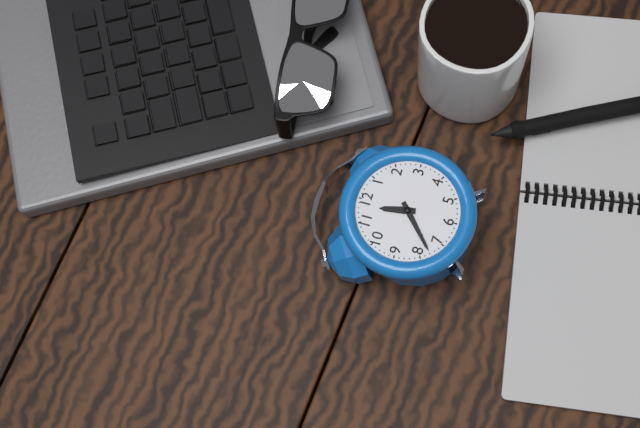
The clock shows h=11 m=38
